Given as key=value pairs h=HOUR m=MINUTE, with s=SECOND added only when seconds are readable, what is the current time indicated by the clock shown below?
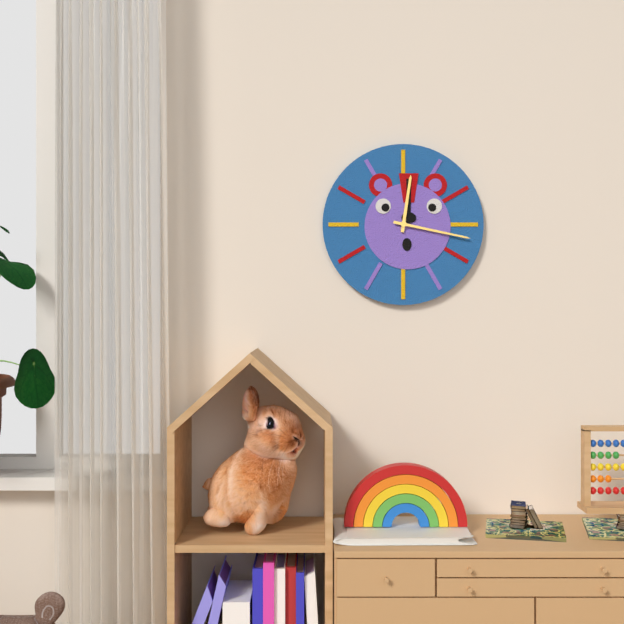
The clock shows h=12 m=17
